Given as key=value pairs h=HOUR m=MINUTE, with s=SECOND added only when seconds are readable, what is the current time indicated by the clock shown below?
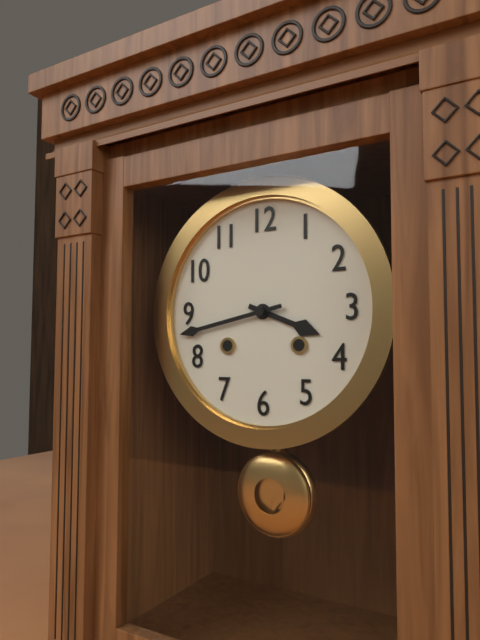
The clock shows h=3 m=43
